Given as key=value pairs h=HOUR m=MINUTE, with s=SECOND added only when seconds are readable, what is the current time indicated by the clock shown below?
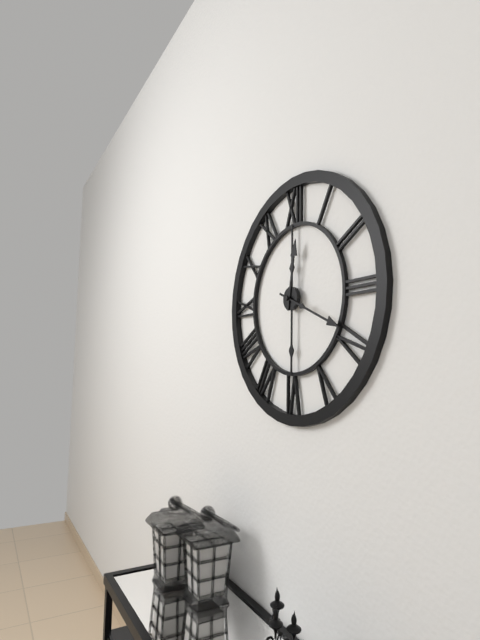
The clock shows h=12 m=19
